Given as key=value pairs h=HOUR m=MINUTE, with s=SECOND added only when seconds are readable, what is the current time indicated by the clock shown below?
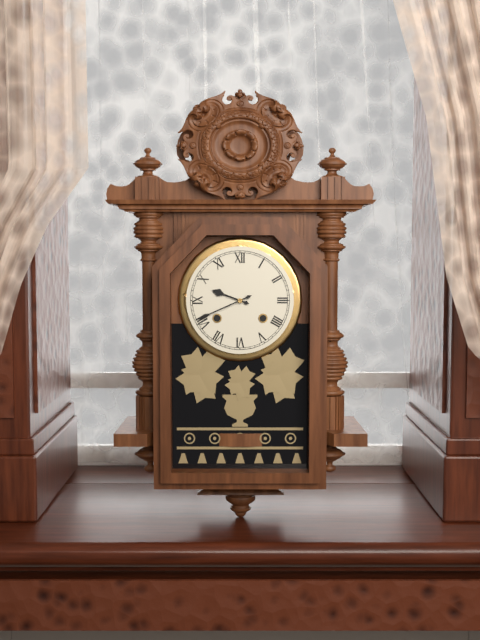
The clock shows h=9 m=41
